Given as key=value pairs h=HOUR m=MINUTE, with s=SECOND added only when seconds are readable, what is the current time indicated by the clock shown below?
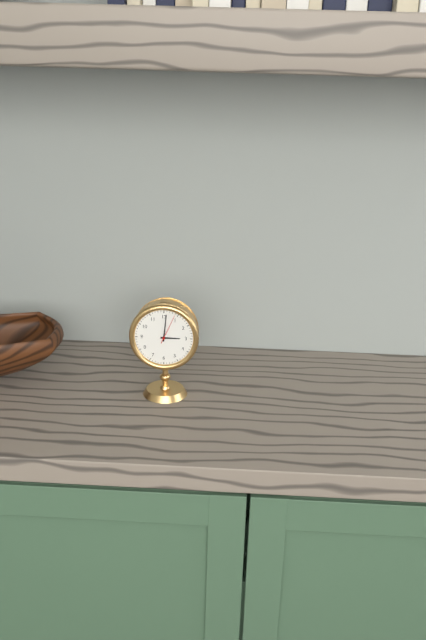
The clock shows h=3 m=1
